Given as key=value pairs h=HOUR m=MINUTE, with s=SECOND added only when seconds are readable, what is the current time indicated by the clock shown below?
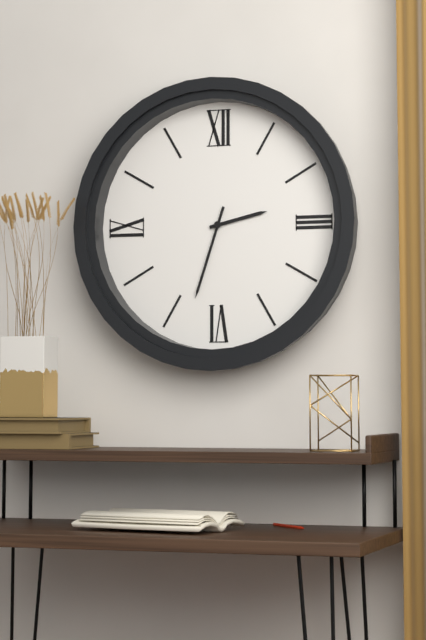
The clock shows h=2 m=33
